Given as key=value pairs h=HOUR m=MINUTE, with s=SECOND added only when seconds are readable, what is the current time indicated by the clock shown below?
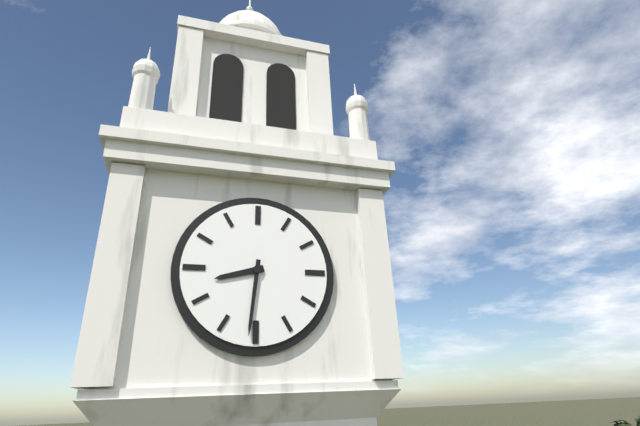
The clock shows h=8 m=31
